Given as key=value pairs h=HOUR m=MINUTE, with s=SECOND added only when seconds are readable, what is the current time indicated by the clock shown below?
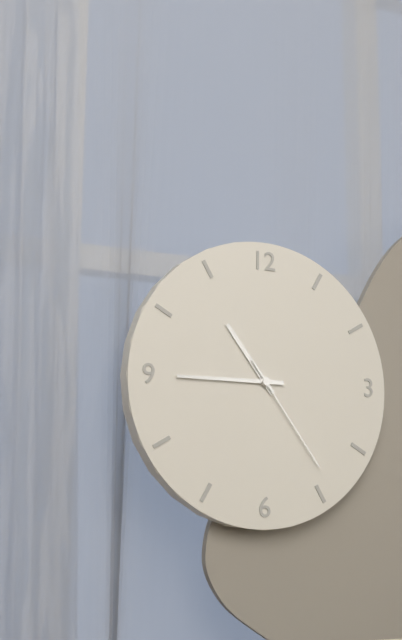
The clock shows h=10 m=45 s=24
